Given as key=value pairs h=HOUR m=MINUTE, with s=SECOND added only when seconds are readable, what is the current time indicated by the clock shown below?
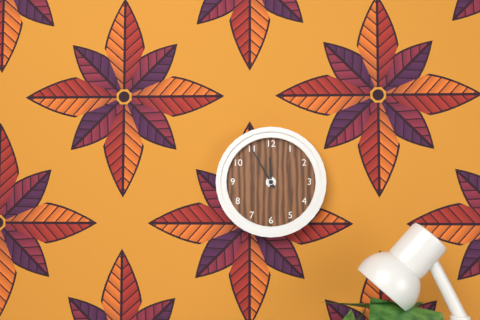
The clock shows h=11 m=55
